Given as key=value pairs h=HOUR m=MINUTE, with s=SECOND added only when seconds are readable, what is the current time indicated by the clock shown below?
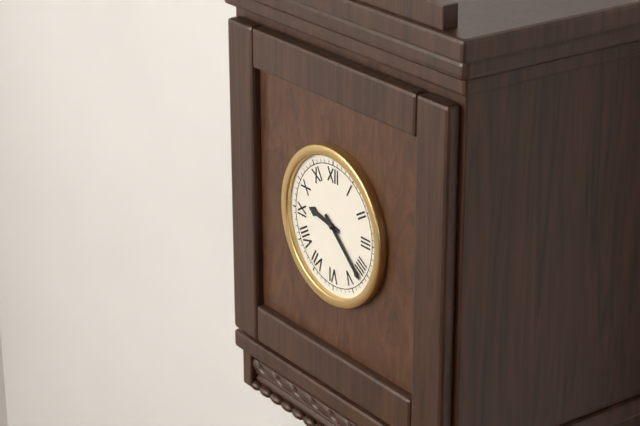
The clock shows h=9 m=22
